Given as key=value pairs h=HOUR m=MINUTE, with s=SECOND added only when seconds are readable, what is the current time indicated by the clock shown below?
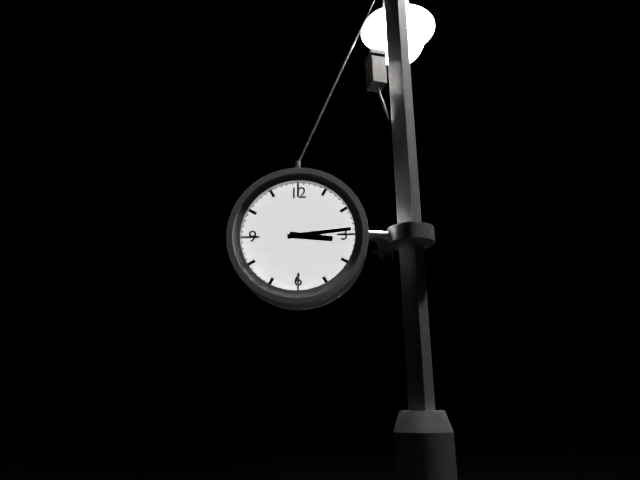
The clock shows h=3 m=14
